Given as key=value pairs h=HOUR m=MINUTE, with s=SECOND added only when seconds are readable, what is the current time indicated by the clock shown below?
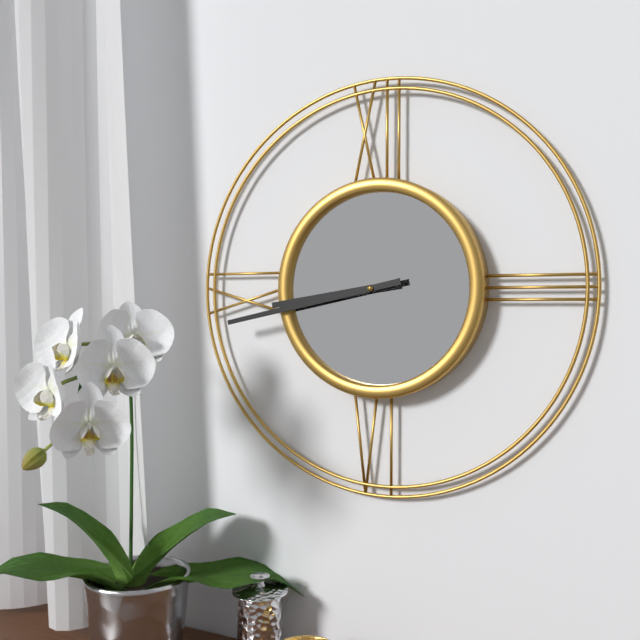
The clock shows h=8 m=43
